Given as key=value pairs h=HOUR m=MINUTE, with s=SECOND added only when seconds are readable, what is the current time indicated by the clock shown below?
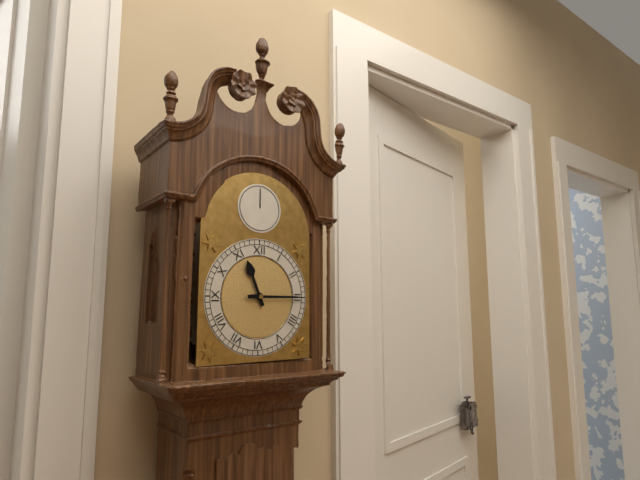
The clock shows h=11 m=15
